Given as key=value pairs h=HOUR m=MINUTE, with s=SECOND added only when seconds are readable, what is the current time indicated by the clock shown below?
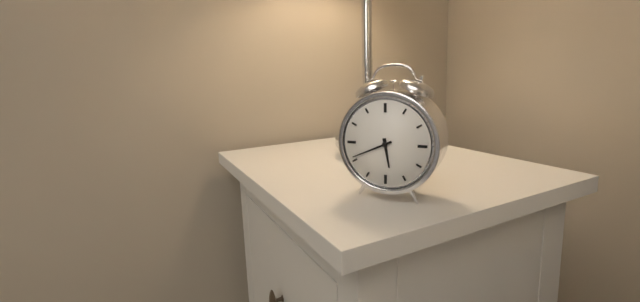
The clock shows h=5 m=41
